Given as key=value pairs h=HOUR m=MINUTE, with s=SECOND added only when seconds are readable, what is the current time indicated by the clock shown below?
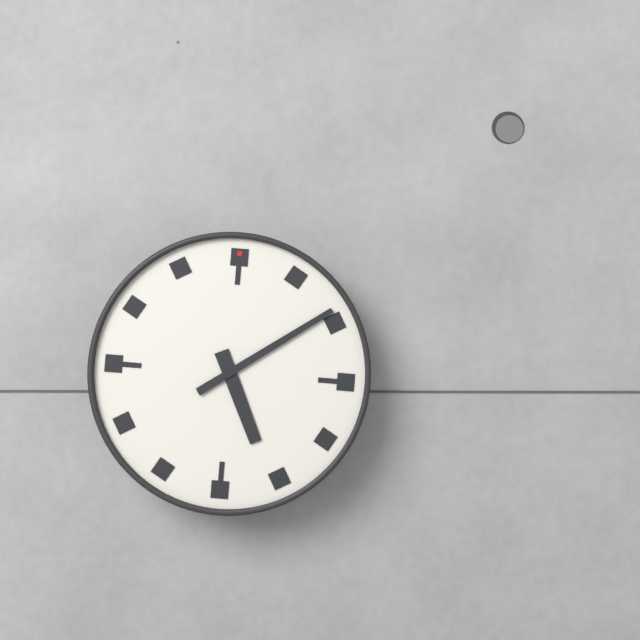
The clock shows h=5 m=9
